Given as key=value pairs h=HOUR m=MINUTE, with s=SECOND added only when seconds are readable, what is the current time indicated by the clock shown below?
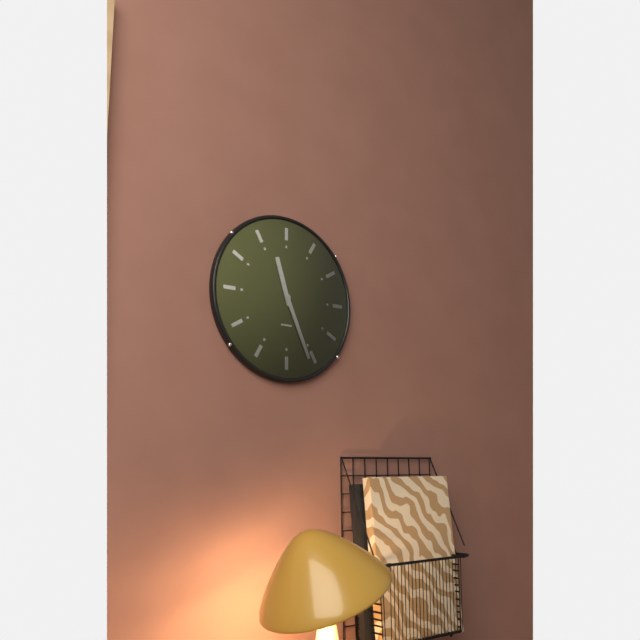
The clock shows h=11 m=26
